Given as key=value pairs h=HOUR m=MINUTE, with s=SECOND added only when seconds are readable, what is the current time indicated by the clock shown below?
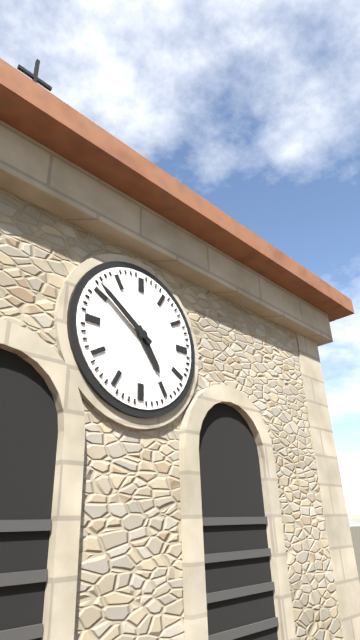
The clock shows h=4 m=51
